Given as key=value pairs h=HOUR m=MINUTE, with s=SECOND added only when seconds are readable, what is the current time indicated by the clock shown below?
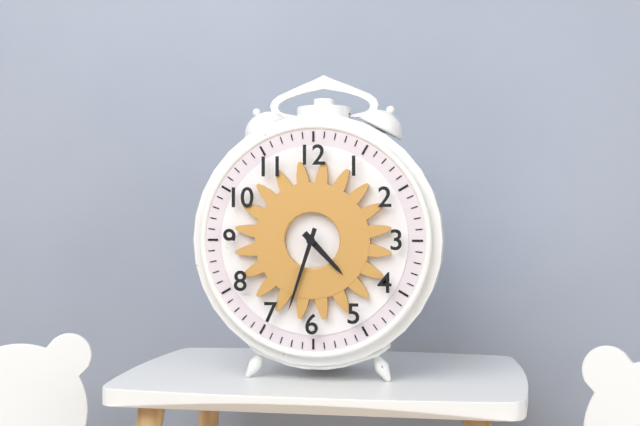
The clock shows h=4 m=33
